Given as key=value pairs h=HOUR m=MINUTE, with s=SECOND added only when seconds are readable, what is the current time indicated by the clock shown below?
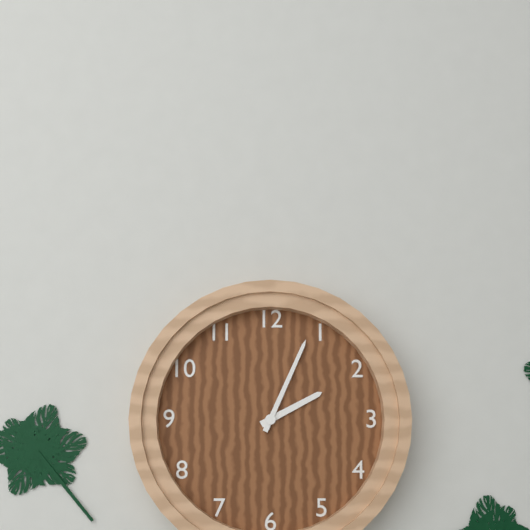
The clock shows h=2 m=4
